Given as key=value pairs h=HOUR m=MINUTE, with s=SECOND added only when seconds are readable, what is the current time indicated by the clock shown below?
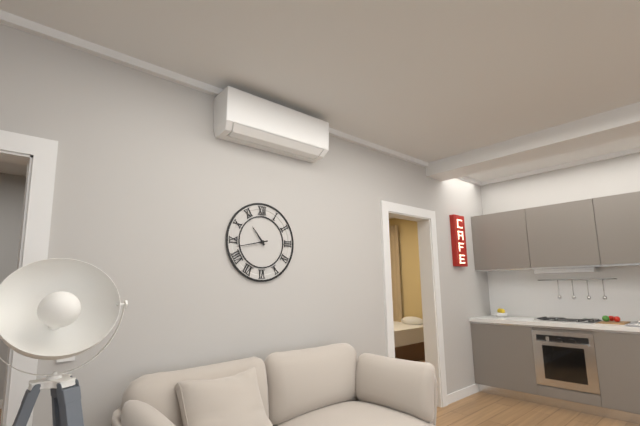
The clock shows h=10 m=43
